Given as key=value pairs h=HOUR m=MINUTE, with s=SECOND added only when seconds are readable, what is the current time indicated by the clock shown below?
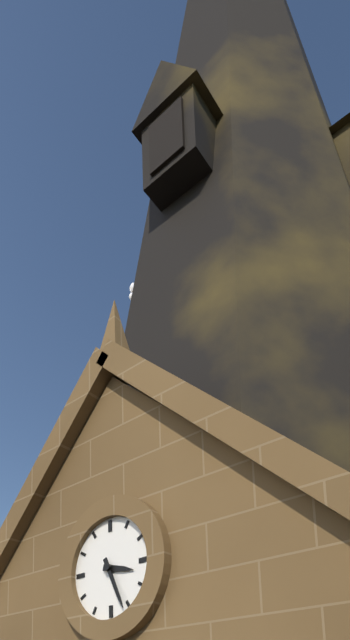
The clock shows h=3 m=26
